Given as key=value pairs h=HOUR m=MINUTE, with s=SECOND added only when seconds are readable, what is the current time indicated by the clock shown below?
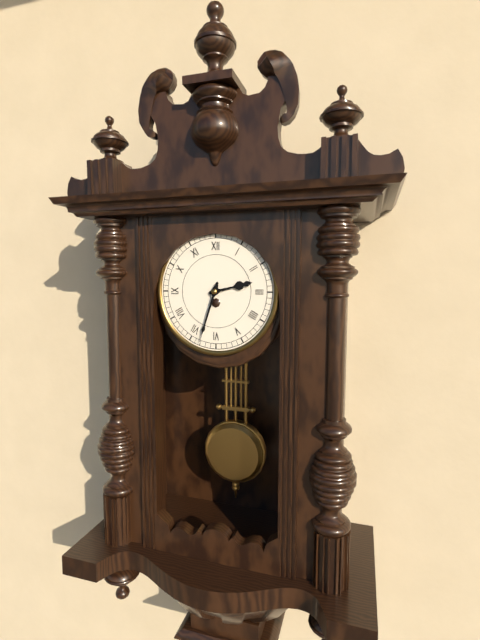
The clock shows h=2 m=33
